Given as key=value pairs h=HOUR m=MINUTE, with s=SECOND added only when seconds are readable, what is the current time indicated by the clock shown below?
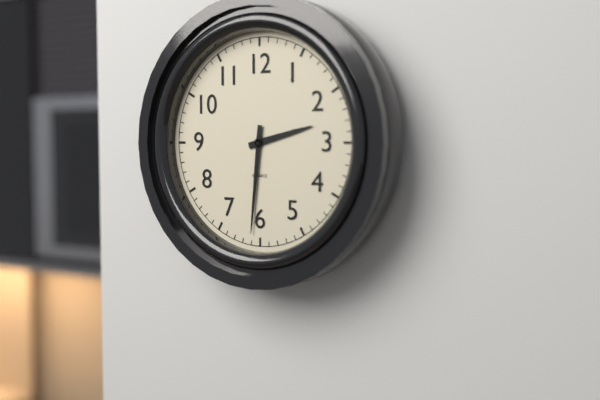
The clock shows h=2 m=31
